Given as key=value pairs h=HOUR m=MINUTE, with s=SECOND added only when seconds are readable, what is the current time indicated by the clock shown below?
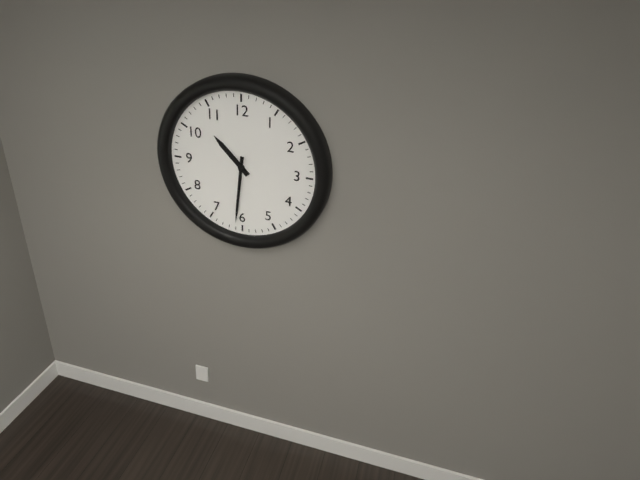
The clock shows h=10 m=31
